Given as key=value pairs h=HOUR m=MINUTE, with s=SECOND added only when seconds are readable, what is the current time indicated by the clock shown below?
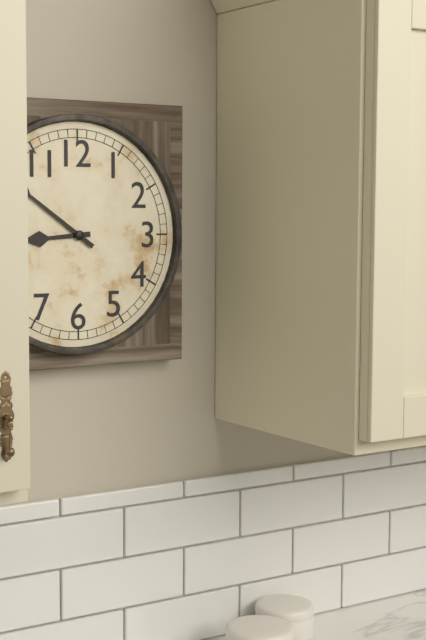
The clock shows h=8 m=51
